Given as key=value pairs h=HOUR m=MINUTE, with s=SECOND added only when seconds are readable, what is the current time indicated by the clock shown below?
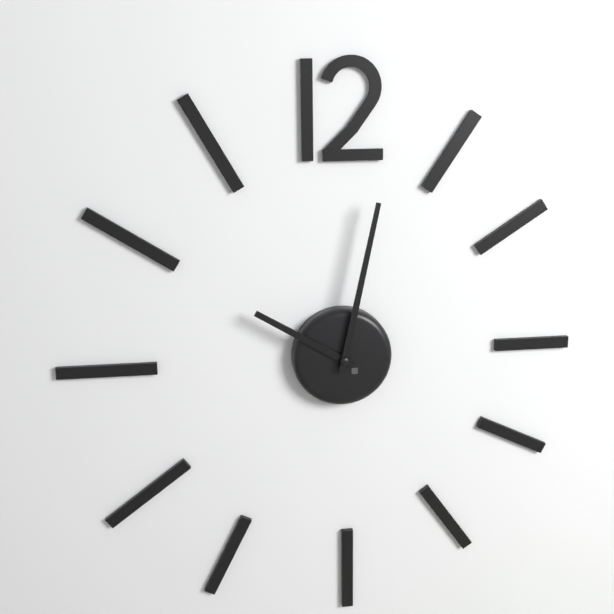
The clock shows h=10 m=2
